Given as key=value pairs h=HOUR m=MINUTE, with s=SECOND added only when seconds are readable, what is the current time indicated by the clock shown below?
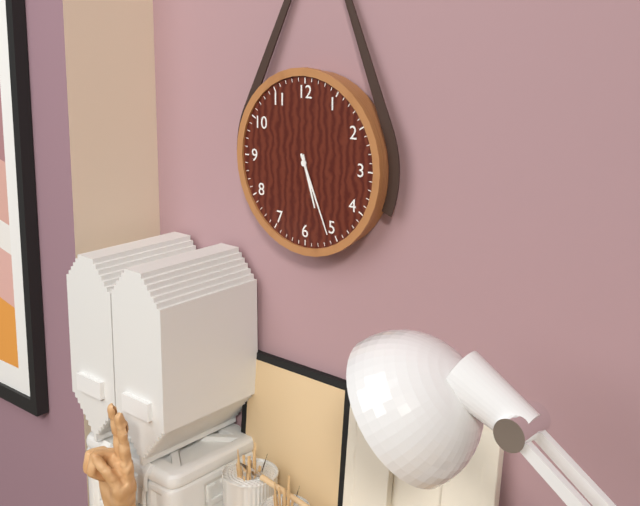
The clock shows h=5 m=26
